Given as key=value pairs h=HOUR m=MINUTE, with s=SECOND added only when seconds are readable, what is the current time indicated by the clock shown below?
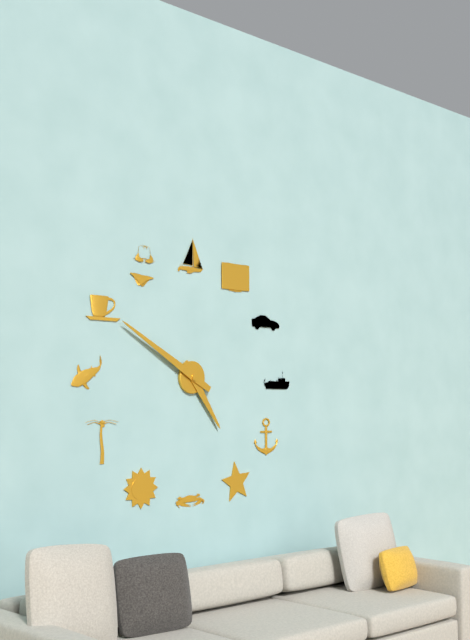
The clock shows h=4 m=50
